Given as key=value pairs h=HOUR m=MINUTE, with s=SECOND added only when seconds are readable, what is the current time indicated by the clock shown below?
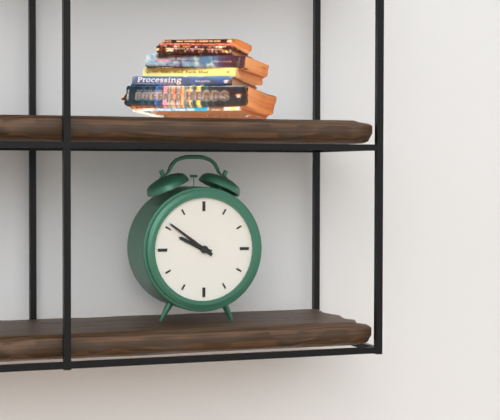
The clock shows h=9 m=51
